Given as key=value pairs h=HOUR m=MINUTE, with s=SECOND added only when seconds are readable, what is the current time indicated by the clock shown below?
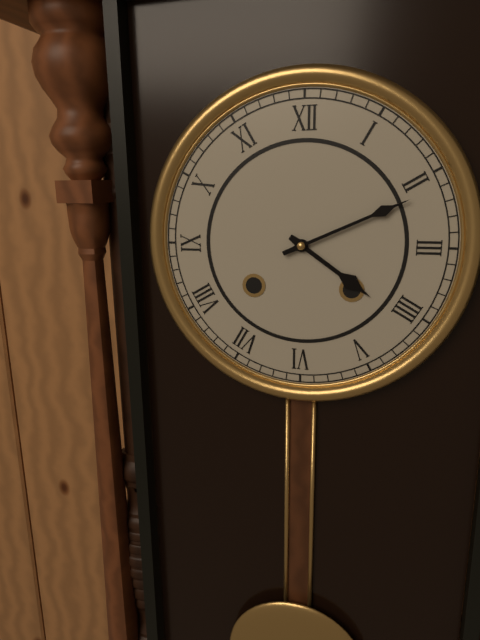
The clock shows h=4 m=11
